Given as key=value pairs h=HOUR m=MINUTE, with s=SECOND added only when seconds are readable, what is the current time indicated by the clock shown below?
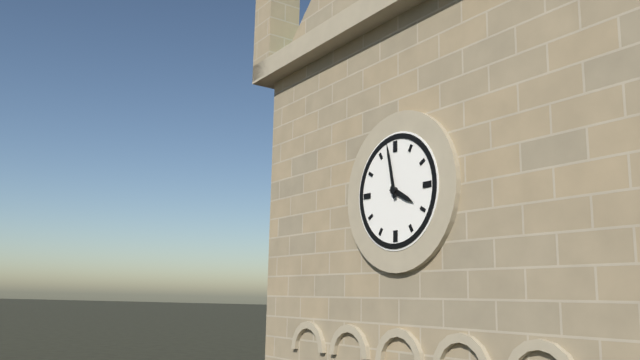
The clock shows h=3 m=58
